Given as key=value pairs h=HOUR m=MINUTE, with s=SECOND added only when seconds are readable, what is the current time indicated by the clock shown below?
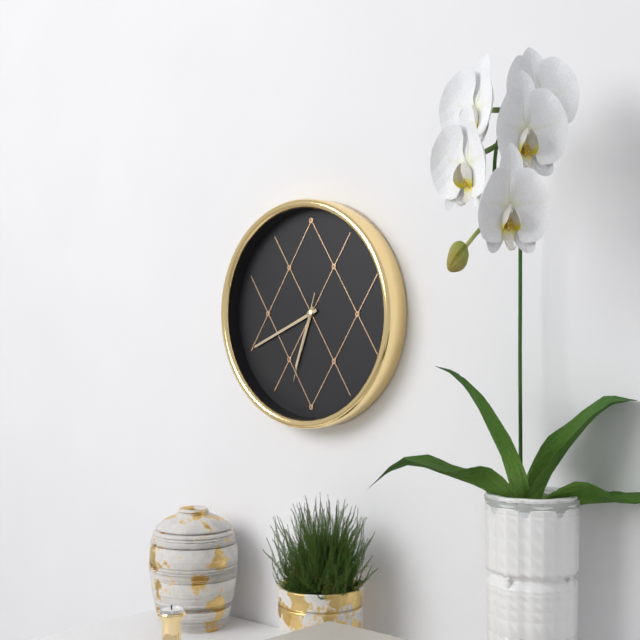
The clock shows h=6 m=41 s=33
